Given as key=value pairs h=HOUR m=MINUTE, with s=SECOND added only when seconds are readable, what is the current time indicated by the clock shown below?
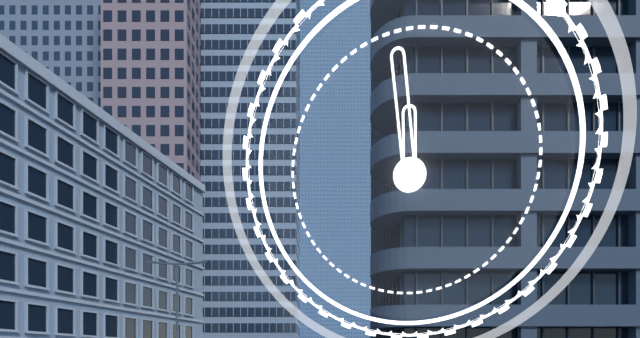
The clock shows h=11 m=59
